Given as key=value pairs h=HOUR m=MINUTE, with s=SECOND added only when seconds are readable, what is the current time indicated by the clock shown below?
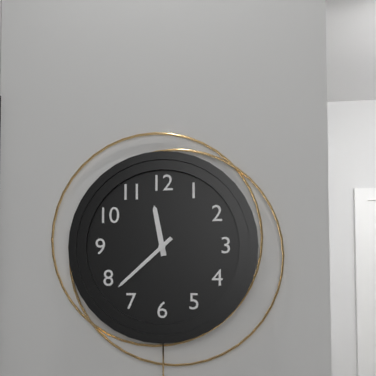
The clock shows h=11 m=38
